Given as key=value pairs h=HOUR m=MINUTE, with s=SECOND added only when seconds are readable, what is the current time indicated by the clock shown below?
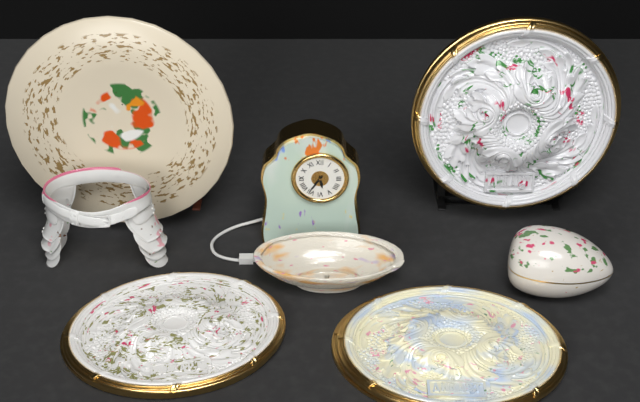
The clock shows h=5 m=36
